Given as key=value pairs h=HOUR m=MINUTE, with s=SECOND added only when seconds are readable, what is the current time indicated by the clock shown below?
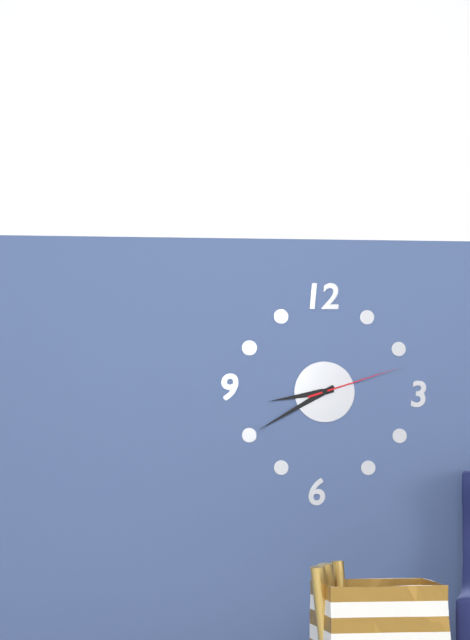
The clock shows h=8 m=40 s=12
